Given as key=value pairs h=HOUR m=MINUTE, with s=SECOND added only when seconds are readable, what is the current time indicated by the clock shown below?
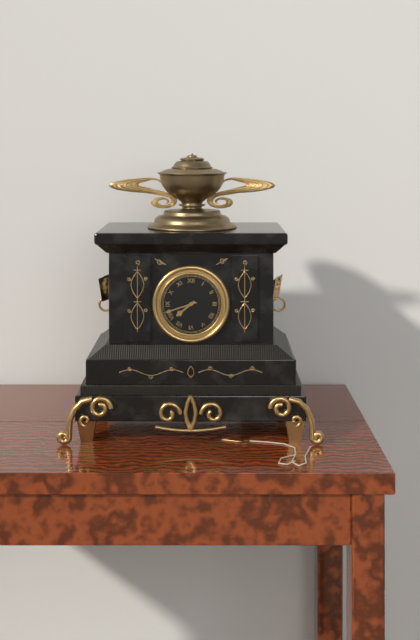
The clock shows h=7 m=42
